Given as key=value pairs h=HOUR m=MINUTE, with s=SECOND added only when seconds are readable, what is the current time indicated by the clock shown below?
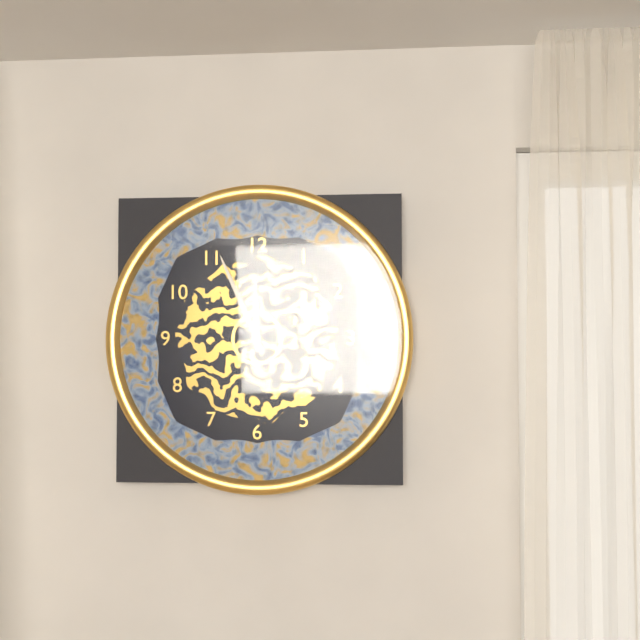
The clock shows h=11 m=56
